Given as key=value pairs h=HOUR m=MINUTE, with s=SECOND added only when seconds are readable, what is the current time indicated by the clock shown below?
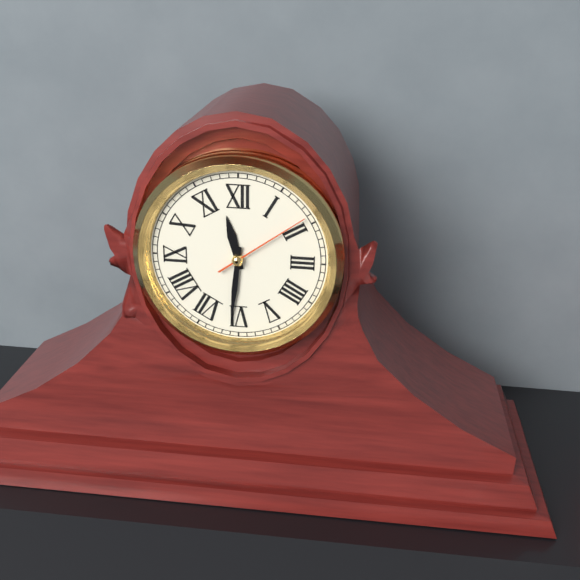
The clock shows h=11 m=31 s=9
